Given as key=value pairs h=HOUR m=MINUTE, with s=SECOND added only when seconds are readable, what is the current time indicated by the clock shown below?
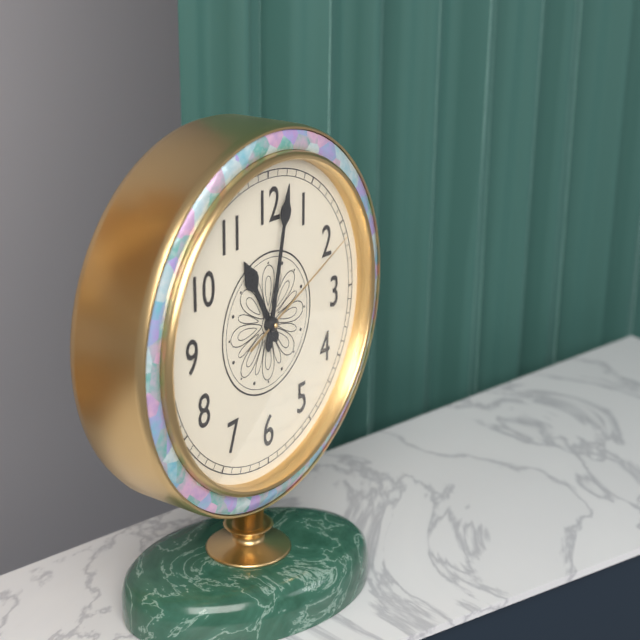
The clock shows h=11 m=2 s=11
